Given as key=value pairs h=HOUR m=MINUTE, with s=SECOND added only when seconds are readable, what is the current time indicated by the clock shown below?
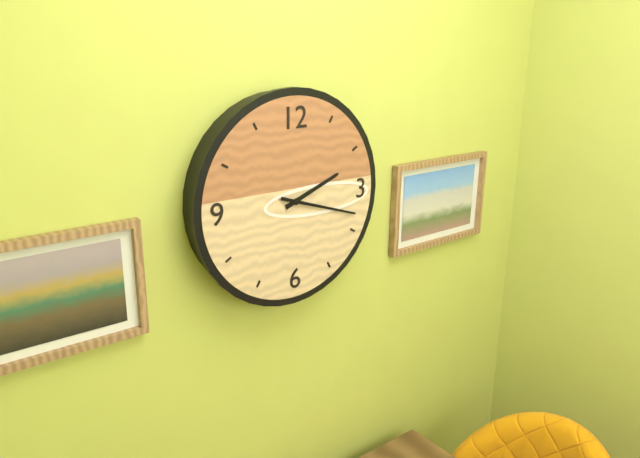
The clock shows h=2 m=18
